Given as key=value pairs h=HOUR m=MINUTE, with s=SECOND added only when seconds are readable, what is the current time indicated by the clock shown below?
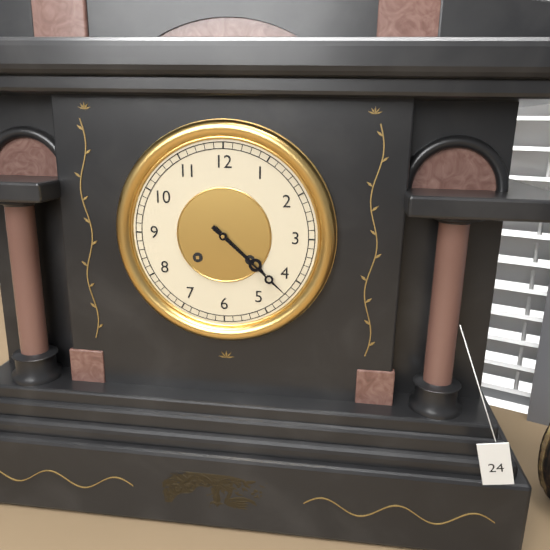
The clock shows h=4 m=22
